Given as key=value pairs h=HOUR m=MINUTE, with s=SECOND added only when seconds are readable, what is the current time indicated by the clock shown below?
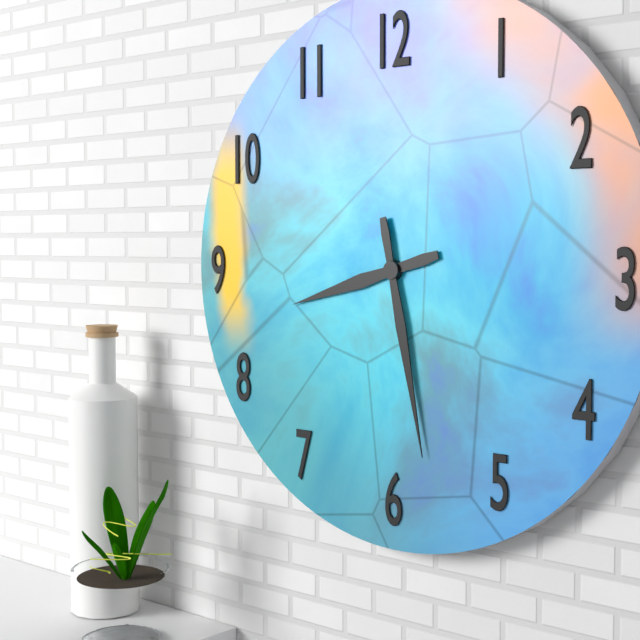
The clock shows h=8 m=28
